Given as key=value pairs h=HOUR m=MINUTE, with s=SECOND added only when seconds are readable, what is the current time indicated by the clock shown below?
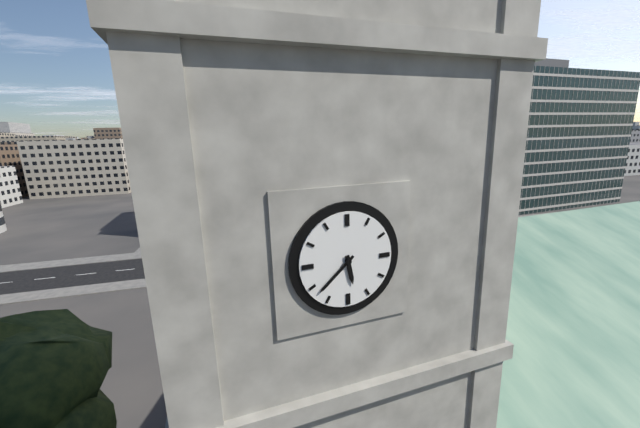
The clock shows h=5 m=38
